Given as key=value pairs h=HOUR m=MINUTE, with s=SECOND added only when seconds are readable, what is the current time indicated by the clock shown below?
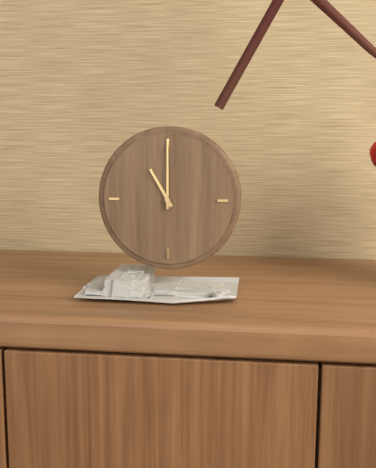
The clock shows h=11 m=0
